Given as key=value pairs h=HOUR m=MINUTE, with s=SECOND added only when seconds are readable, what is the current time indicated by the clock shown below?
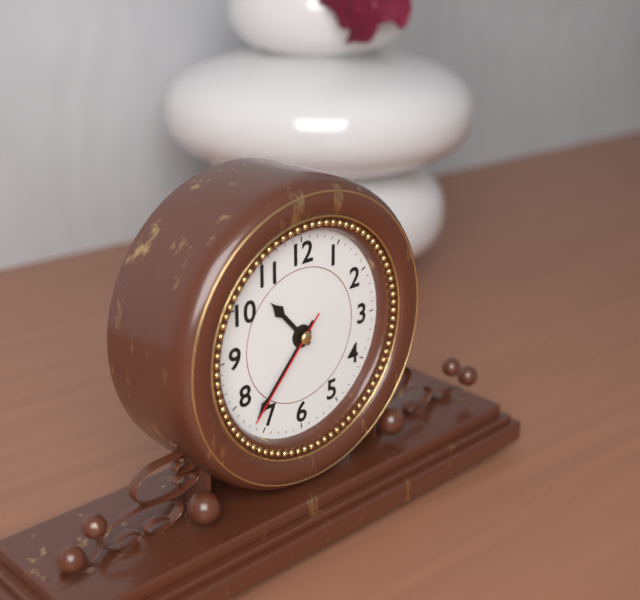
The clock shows h=10 m=37 s=37
